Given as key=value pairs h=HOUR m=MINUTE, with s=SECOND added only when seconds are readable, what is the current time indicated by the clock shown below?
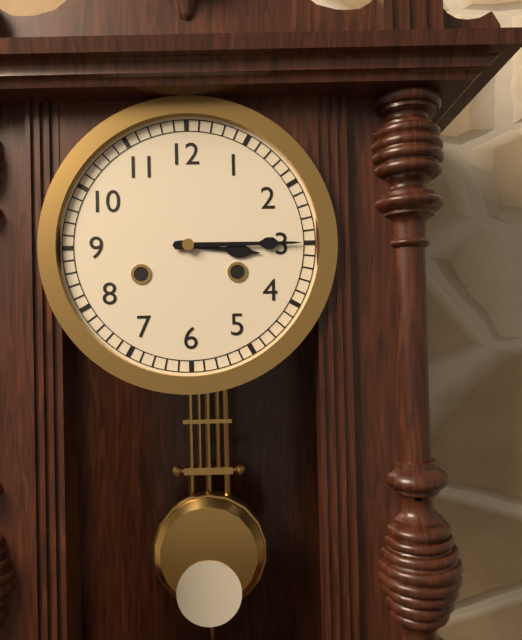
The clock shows h=3 m=15
